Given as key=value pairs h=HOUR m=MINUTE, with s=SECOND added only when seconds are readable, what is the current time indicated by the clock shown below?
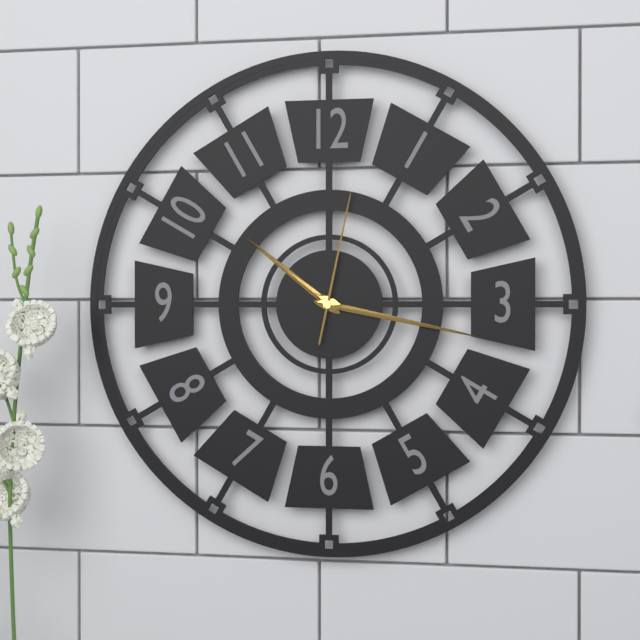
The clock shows h=10 m=17 s=2
